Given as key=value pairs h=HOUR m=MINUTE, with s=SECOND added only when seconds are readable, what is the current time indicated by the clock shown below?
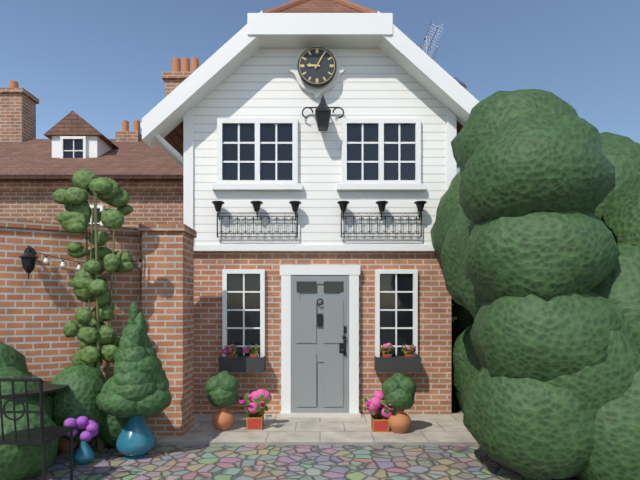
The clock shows h=9 m=5
